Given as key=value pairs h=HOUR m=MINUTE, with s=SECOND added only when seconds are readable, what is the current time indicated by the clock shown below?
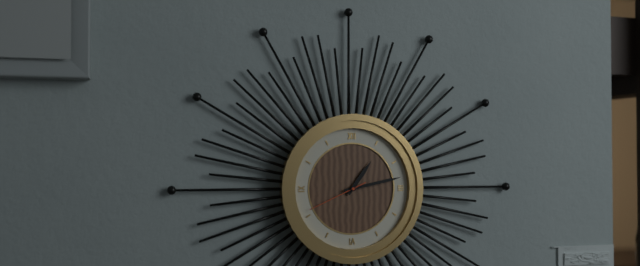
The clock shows h=1 m=13 s=41
